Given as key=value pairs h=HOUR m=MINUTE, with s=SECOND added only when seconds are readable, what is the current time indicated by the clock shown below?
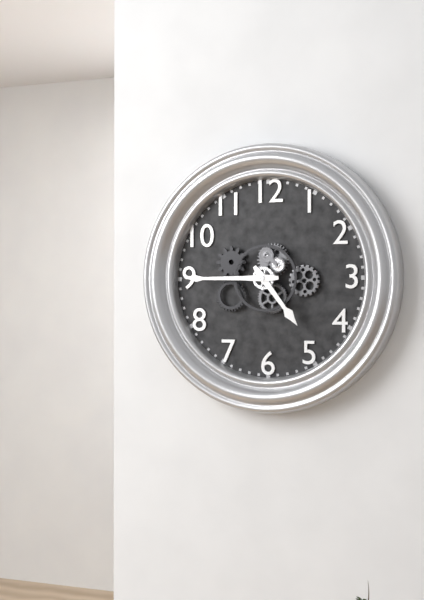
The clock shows h=4 m=45
